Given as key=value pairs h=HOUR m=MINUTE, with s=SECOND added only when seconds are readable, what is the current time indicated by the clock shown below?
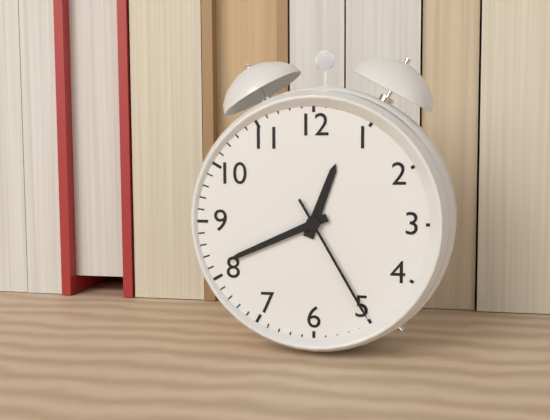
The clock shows h=12 m=41 s=25
